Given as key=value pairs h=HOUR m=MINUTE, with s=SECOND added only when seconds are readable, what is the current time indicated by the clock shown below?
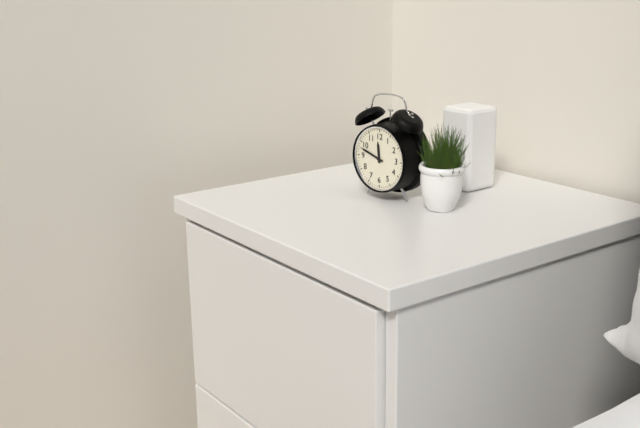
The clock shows h=11 m=48
